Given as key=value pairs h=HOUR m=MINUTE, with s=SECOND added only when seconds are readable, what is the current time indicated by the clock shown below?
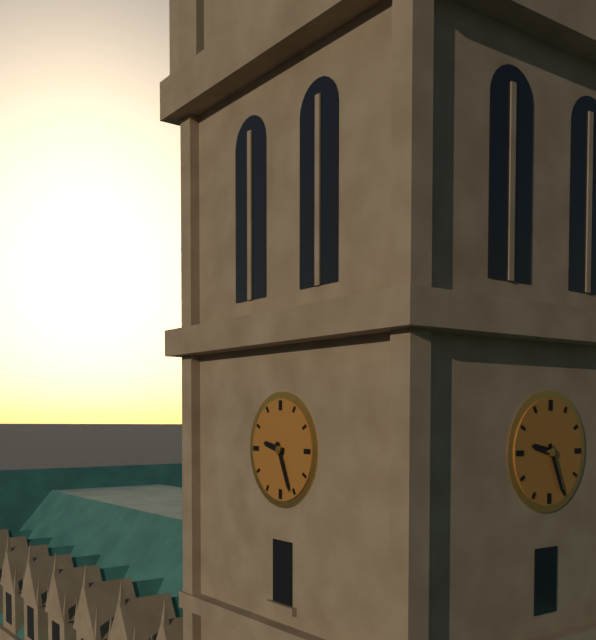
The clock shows h=9 m=26
